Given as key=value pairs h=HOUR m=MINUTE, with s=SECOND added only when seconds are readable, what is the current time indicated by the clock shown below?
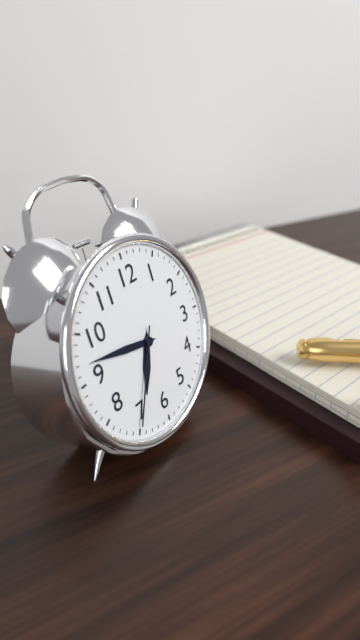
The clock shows h=6 m=47 s=35
